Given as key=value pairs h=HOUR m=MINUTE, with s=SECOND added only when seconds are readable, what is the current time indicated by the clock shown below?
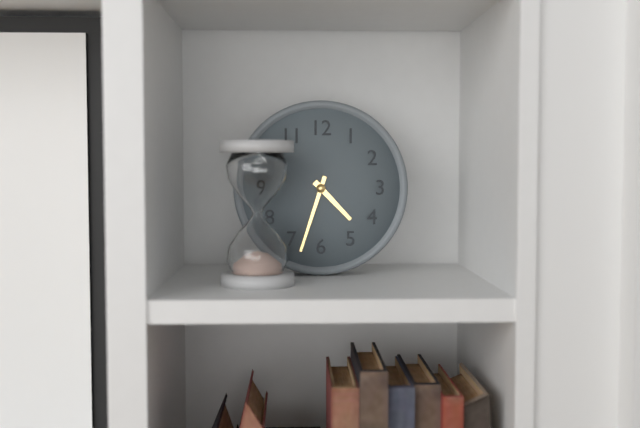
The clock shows h=4 m=33
